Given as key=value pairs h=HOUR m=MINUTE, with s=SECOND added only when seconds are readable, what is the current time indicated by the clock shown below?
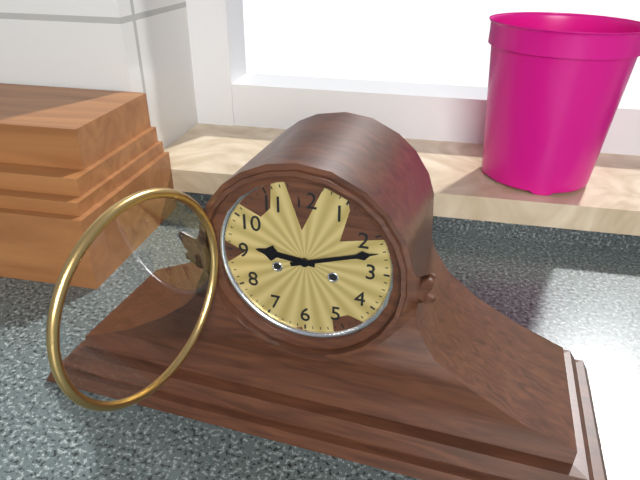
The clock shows h=9 m=12
